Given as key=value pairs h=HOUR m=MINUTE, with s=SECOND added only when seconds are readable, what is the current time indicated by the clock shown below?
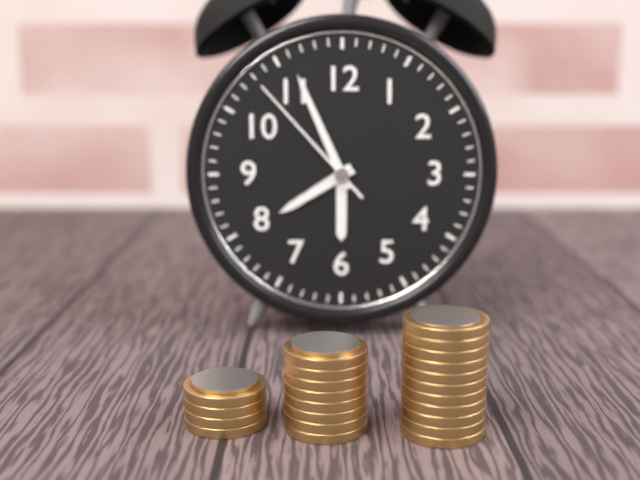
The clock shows h=7 m=56 s=53
